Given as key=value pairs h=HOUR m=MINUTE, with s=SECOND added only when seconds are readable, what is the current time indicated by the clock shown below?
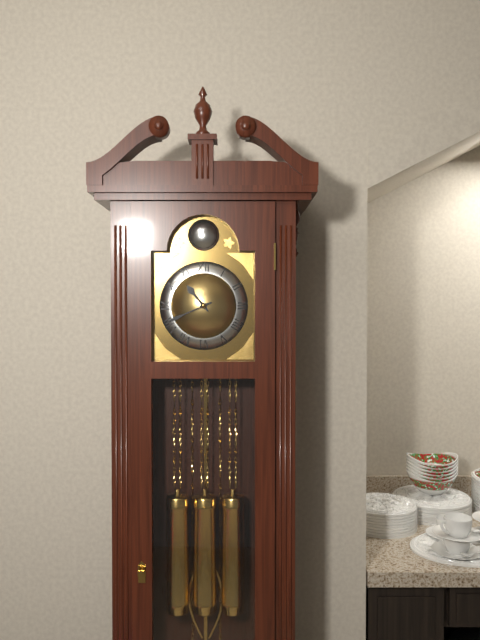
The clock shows h=10 m=41
